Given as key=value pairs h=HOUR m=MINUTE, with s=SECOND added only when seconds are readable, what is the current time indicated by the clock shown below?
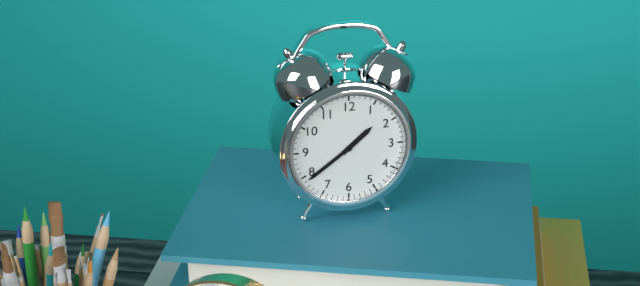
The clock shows h=1 m=39
